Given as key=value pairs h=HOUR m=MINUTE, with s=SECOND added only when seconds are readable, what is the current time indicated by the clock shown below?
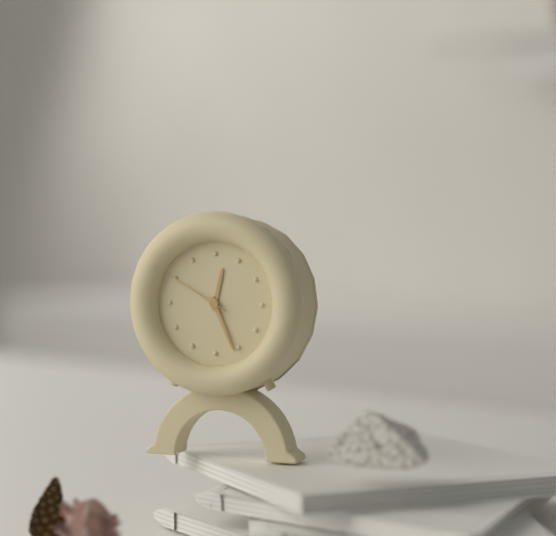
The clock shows h=12 m=26 s=50
